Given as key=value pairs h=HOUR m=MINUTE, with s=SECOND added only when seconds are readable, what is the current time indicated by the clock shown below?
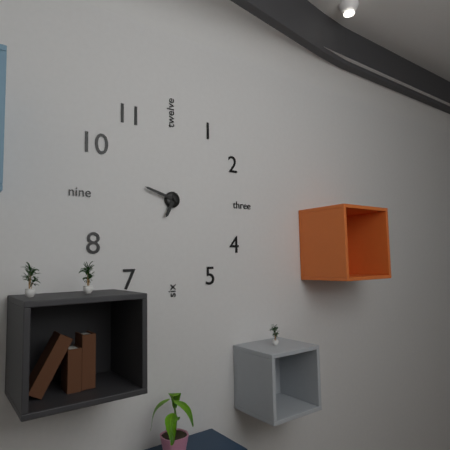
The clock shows h=6 m=48
